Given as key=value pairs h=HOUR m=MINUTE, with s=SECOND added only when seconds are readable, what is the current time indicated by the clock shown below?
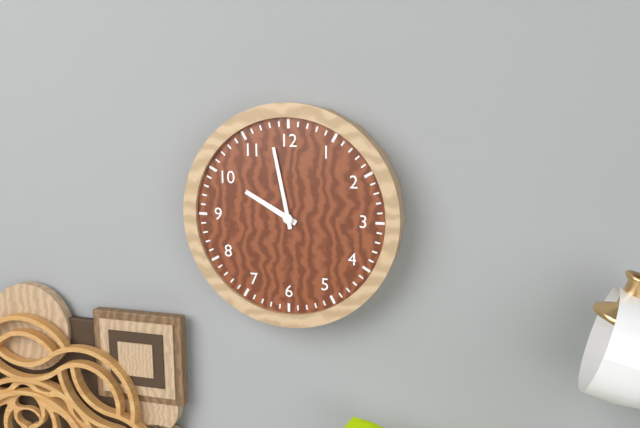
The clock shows h=9 m=58
